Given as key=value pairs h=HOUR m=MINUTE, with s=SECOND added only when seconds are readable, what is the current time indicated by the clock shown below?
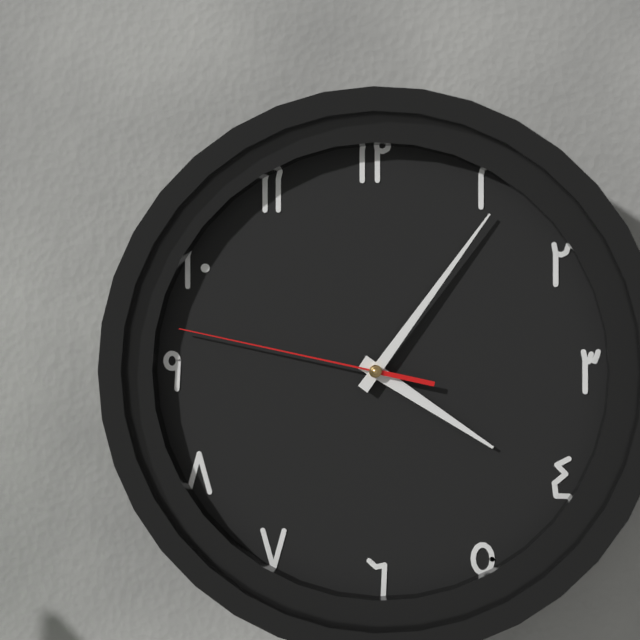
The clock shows h=4 m=6 s=47
